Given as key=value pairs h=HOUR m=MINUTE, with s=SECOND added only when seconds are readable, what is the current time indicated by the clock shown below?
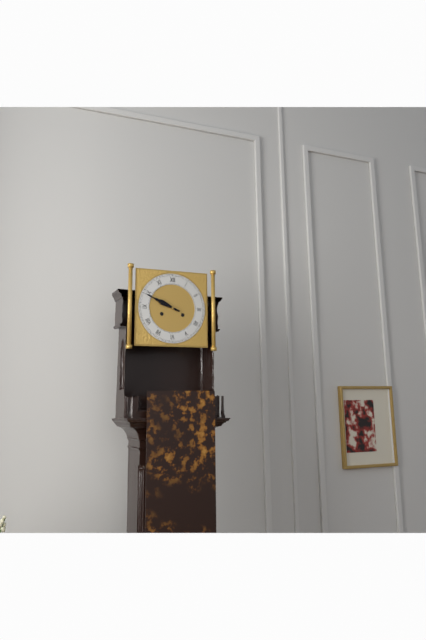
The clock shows h=9 m=49
